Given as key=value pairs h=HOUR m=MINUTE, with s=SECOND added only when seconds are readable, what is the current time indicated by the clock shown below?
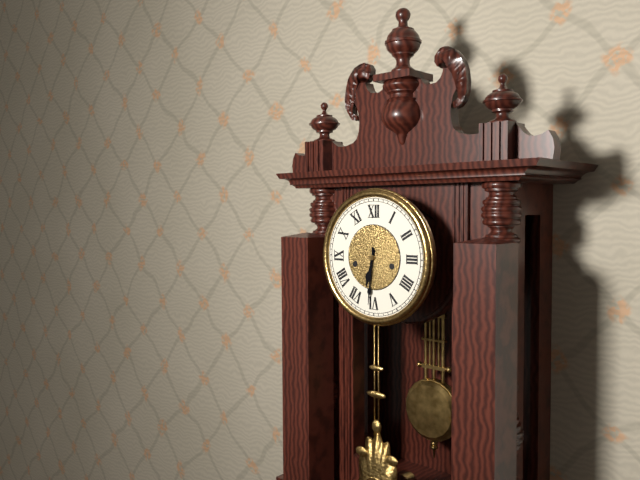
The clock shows h=6 m=31
